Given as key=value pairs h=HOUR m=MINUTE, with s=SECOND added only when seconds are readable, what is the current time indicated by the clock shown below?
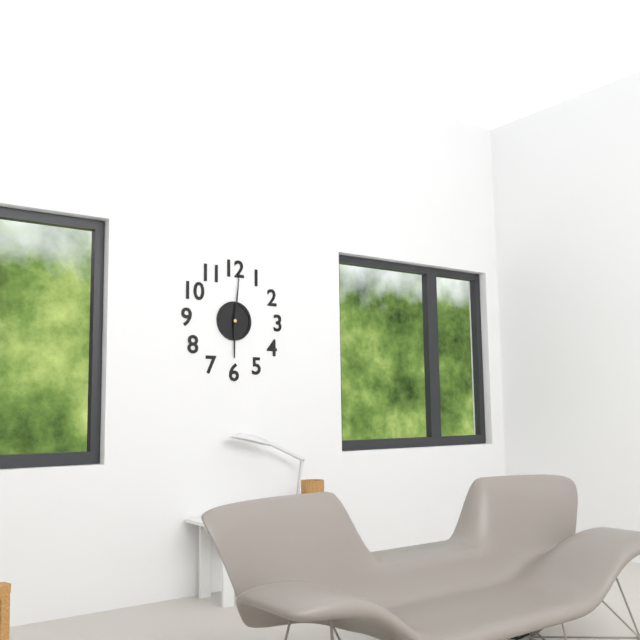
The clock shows h=6 m=1
